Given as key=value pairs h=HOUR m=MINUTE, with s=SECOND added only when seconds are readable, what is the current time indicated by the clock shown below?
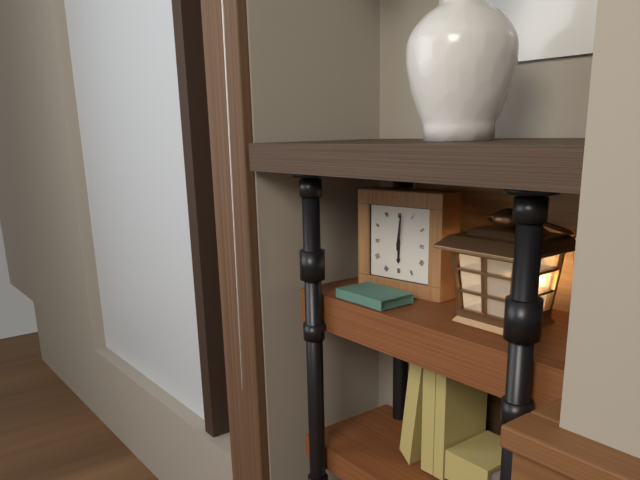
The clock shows h=6 m=1
